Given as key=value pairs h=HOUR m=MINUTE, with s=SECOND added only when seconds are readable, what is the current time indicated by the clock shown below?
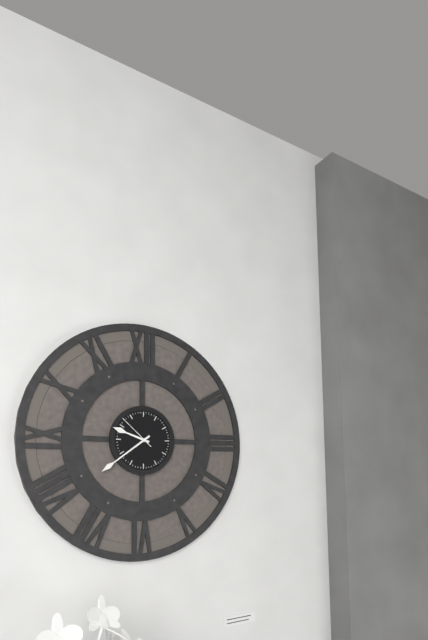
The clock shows h=9 m=39
